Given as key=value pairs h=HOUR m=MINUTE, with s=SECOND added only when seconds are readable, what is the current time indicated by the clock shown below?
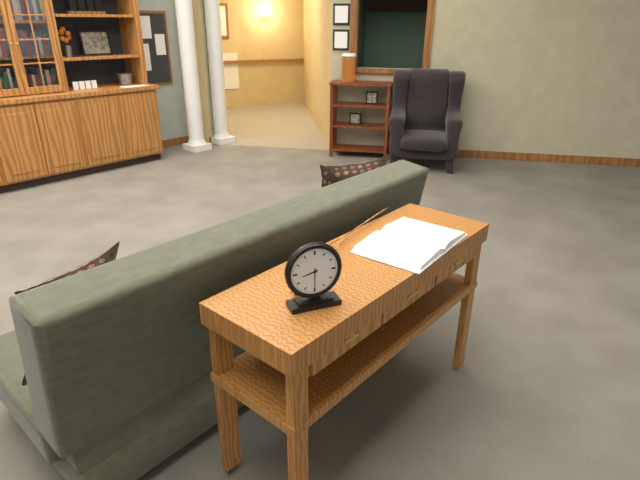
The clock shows h=8 m=30
